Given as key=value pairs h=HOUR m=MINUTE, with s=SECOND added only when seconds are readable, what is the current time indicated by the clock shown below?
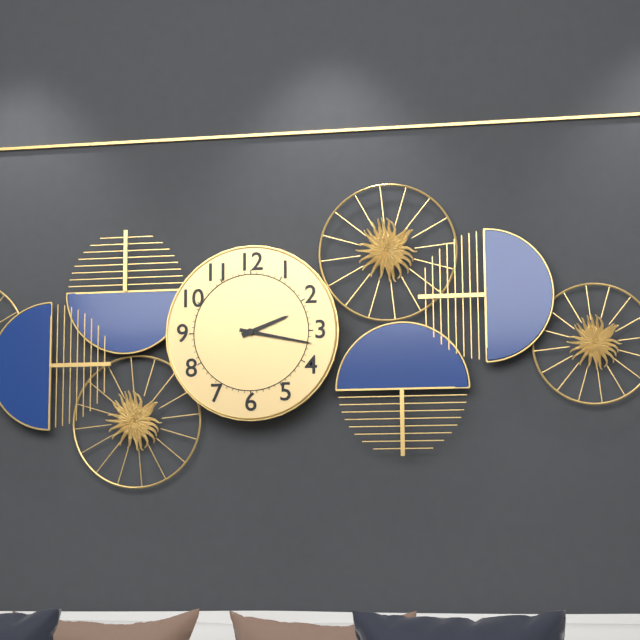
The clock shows h=2 m=17
